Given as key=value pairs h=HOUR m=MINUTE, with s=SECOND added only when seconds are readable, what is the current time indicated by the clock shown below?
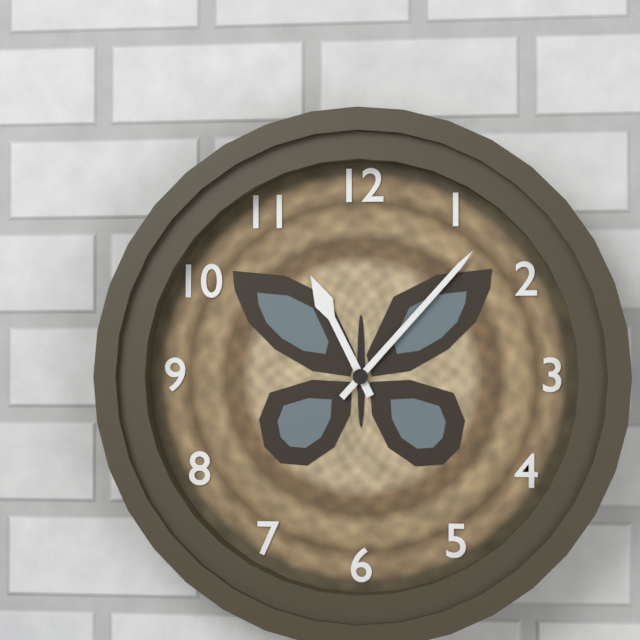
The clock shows h=11 m=7
